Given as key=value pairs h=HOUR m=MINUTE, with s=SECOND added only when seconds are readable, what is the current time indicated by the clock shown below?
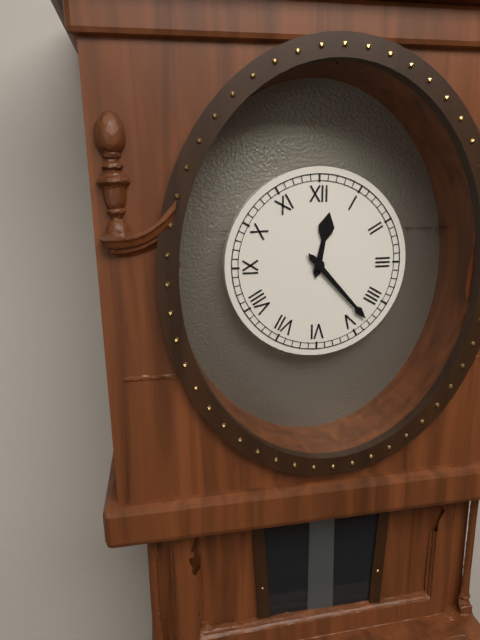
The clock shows h=12 m=23
